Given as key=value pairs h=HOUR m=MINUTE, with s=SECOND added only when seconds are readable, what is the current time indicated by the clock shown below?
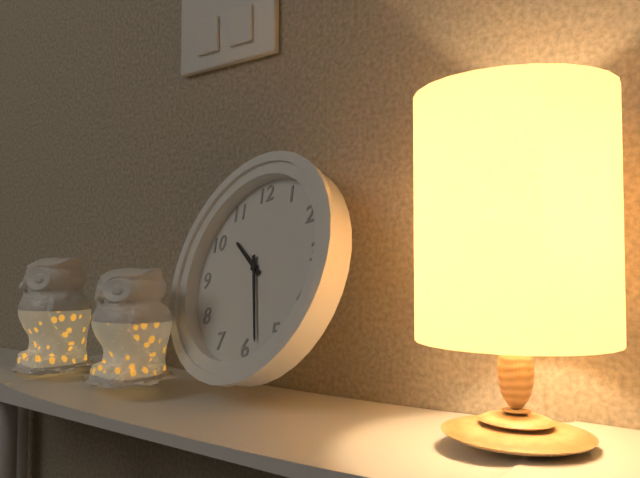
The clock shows h=10 m=28
